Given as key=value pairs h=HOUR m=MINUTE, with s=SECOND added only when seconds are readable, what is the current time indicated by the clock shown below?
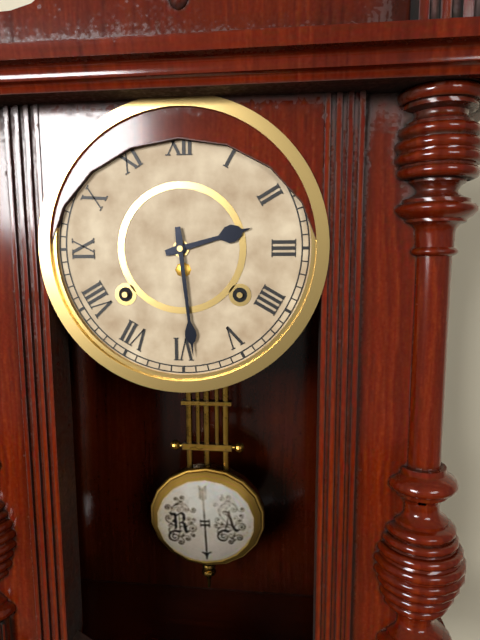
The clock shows h=2 m=29
